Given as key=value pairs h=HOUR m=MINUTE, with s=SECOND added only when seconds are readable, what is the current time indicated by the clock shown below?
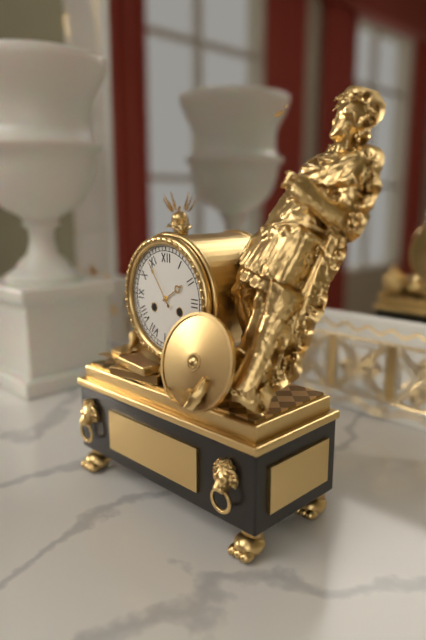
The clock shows h=1 m=54
